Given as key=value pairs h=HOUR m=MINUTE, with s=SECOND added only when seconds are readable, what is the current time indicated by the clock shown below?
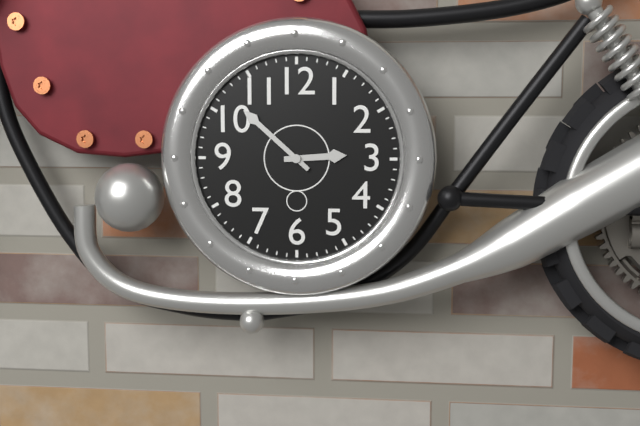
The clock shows h=2 m=52
